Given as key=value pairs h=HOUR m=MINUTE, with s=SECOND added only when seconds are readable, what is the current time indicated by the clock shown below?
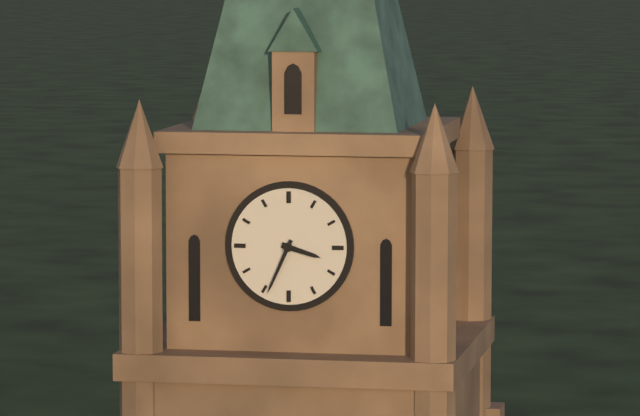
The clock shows h=3 m=34
